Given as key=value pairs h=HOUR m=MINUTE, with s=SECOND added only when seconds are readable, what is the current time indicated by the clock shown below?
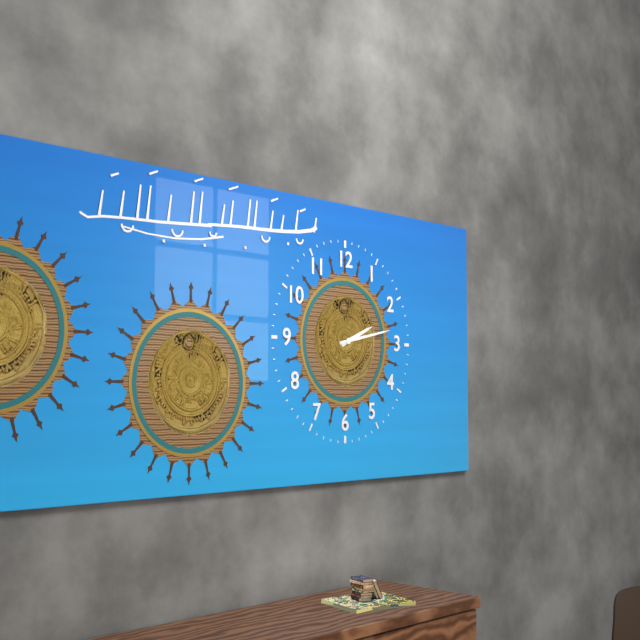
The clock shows h=2 m=13
